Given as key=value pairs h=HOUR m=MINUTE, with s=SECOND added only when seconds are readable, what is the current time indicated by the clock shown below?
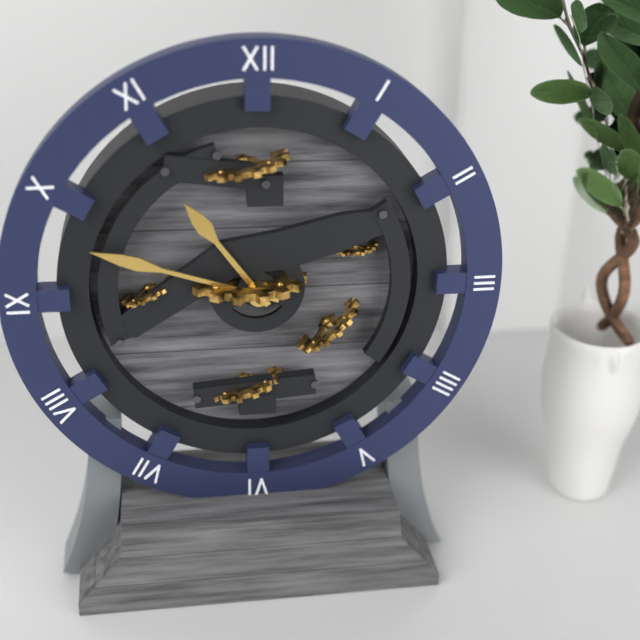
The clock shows h=10 m=48
